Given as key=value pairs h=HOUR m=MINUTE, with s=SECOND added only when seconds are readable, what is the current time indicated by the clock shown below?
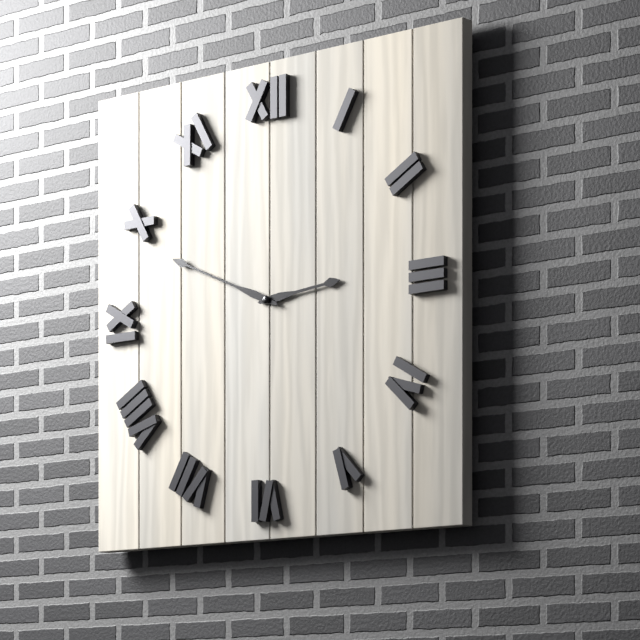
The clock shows h=2 m=49
